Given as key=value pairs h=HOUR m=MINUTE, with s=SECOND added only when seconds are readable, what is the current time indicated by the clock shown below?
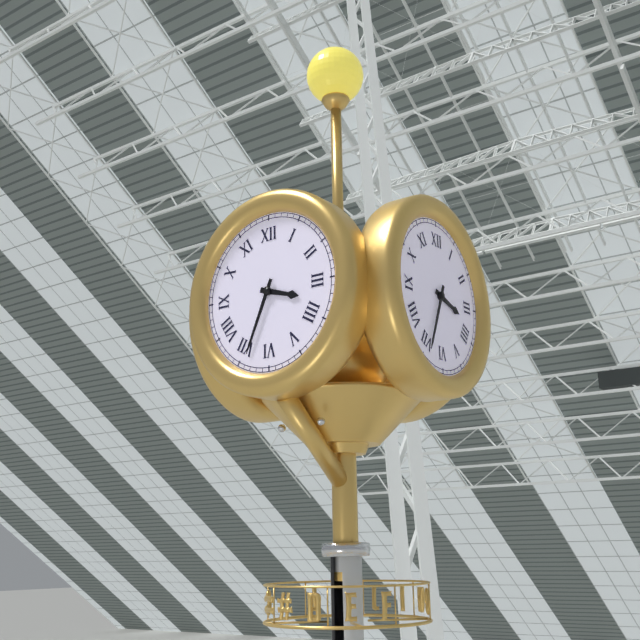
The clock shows h=3 m=34
